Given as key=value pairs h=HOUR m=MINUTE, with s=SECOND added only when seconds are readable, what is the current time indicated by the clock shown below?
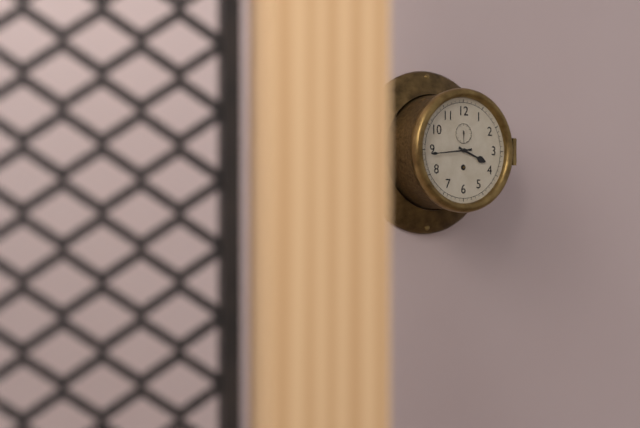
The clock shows h=3 m=44
